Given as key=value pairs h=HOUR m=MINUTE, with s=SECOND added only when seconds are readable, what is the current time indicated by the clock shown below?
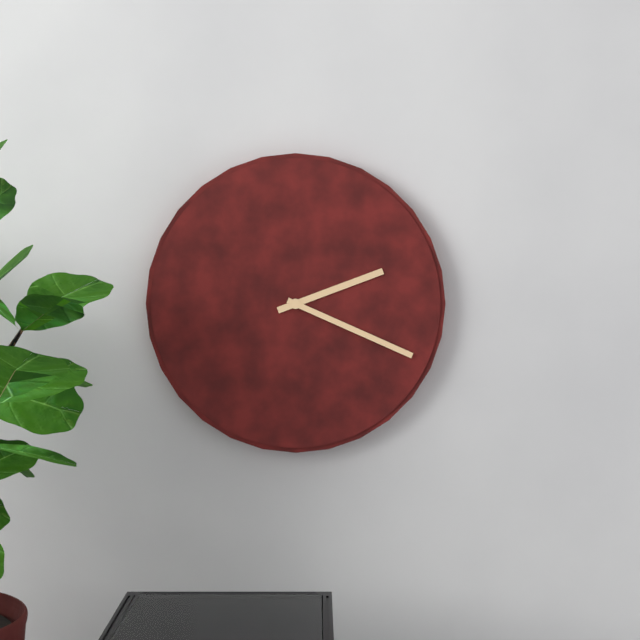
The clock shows h=2 m=19
